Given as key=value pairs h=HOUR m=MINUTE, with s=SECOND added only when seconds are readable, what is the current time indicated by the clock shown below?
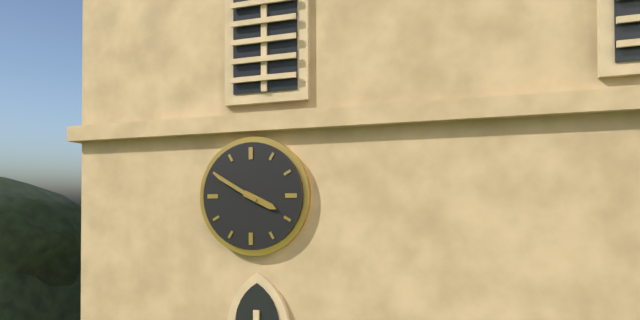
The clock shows h=3 m=50
